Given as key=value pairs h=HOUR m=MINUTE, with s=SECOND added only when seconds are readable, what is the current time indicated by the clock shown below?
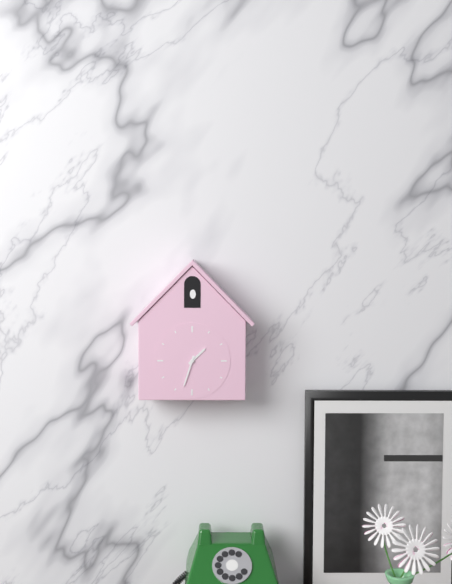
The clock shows h=1 m=33
